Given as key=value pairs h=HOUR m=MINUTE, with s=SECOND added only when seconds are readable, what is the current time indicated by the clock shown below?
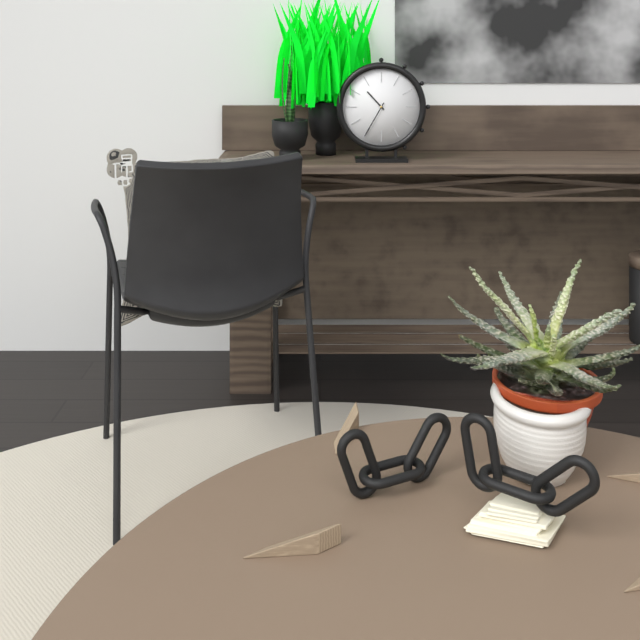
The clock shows h=10 m=35
